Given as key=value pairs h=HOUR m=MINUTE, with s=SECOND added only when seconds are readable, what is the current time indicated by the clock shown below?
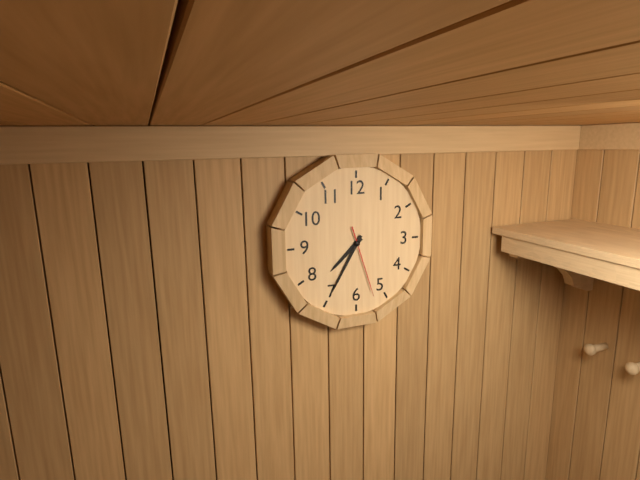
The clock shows h=7 m=35 s=27
